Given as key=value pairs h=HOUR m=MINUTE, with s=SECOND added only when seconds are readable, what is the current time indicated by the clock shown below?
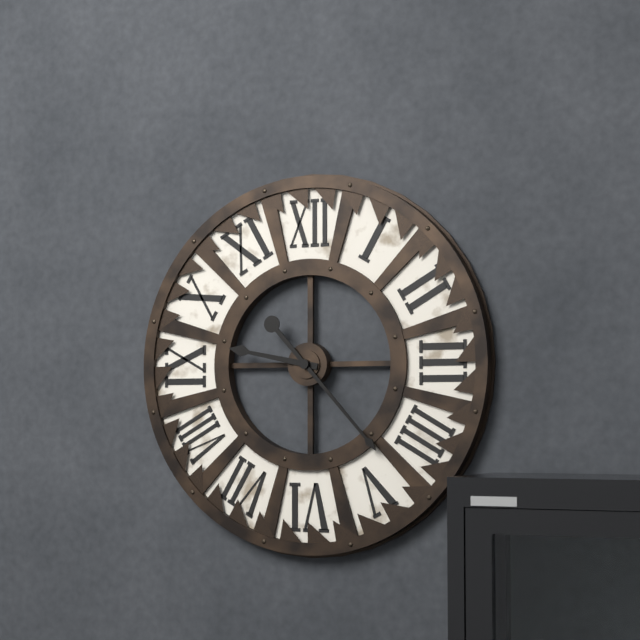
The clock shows h=9 m=23
